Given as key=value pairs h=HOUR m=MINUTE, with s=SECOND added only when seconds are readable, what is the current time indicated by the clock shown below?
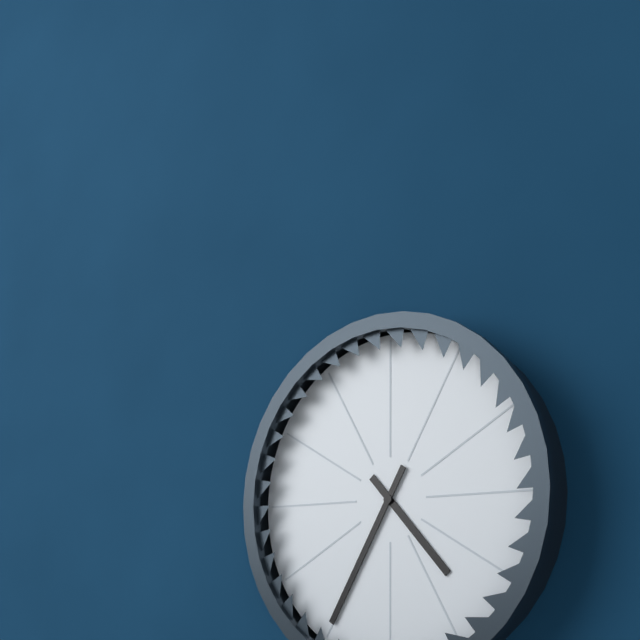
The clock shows h=4 m=35
